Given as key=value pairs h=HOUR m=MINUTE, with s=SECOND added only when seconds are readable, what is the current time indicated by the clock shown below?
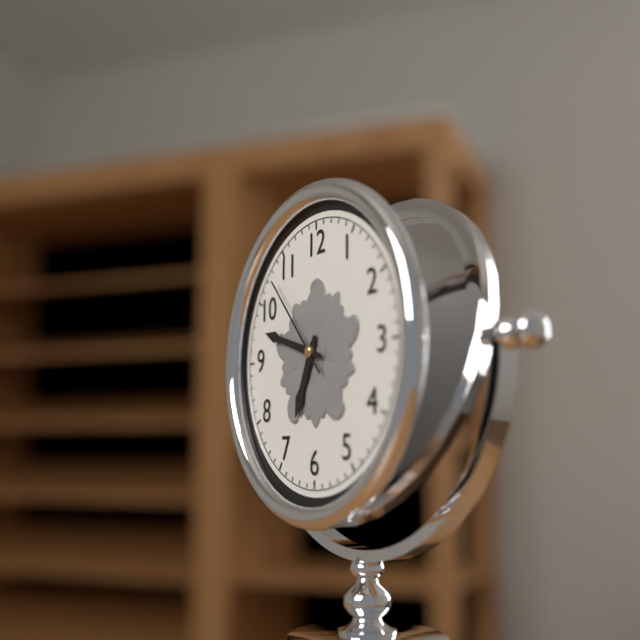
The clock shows h=6 m=48 s=53
